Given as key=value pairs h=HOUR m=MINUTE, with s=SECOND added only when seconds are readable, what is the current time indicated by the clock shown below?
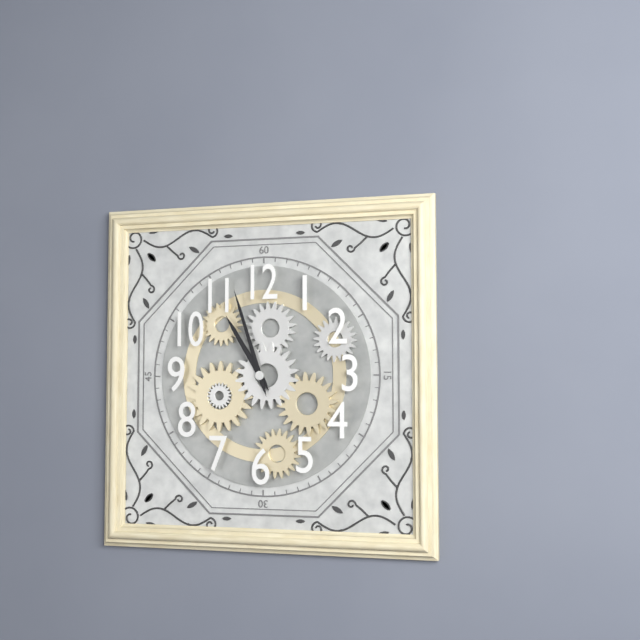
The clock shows h=10 m=57
